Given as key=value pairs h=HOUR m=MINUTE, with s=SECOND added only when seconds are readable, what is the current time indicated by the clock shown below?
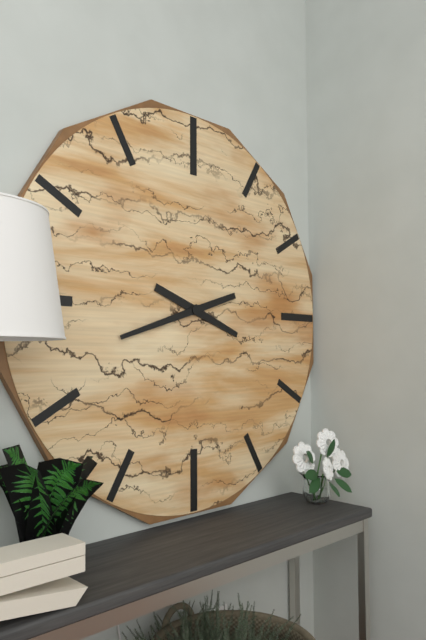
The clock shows h=3 m=42
